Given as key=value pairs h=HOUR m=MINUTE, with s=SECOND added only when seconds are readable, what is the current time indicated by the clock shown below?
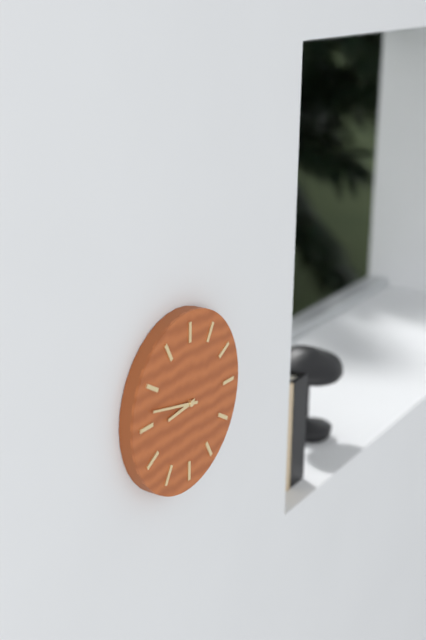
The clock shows h=8 m=47
